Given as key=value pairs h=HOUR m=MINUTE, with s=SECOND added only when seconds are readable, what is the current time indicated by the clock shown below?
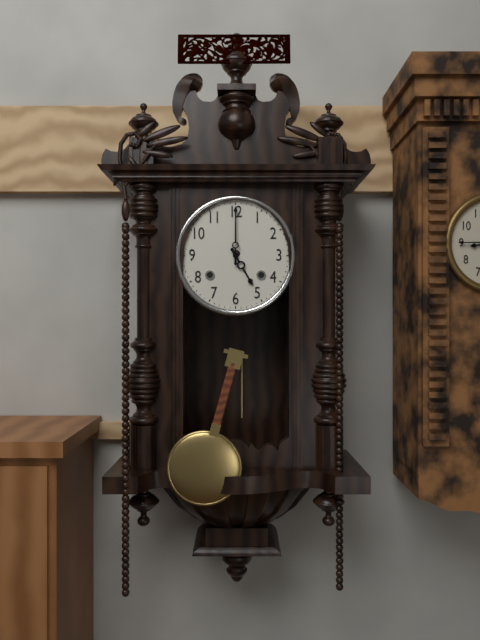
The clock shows h=5 m=0
